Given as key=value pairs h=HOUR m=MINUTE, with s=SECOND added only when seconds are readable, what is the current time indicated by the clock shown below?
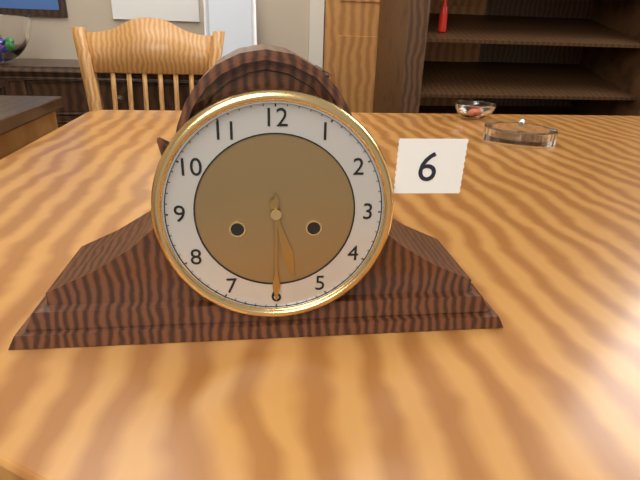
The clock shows h=5 m=30
